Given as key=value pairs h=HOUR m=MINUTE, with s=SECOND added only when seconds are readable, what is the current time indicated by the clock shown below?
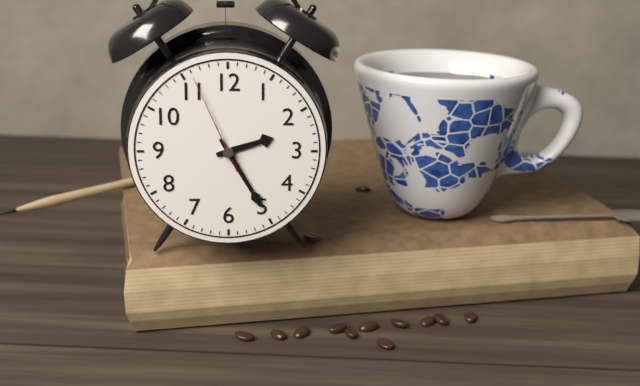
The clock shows h=2 m=25 s=56
